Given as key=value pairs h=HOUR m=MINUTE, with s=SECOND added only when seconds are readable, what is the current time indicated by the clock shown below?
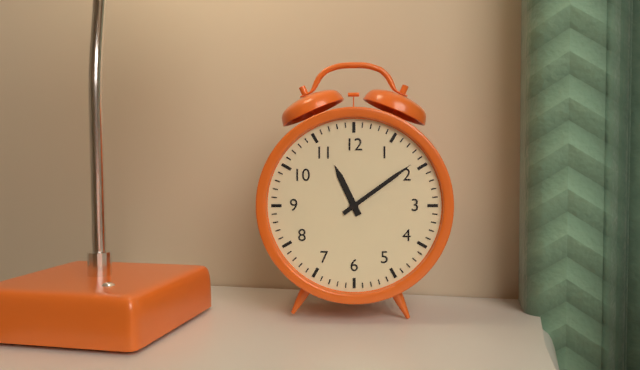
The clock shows h=11 m=9
